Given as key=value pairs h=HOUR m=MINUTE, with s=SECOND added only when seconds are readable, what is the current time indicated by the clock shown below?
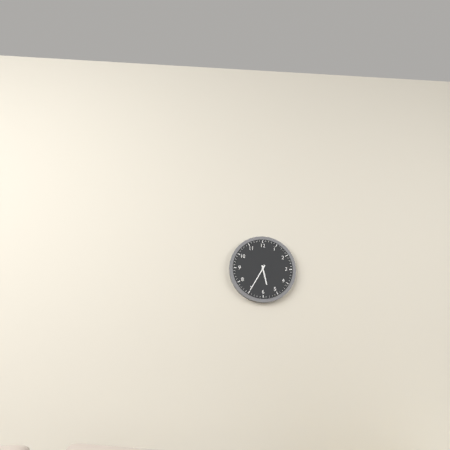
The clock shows h=5 m=35
